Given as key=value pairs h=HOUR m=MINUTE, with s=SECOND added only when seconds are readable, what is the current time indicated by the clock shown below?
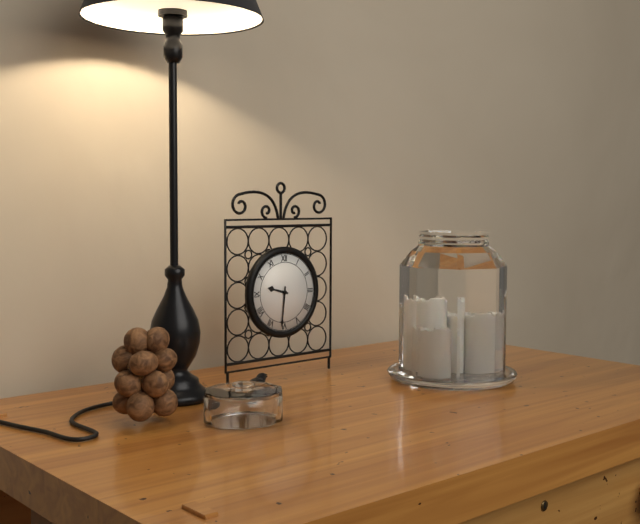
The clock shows h=9 m=31
